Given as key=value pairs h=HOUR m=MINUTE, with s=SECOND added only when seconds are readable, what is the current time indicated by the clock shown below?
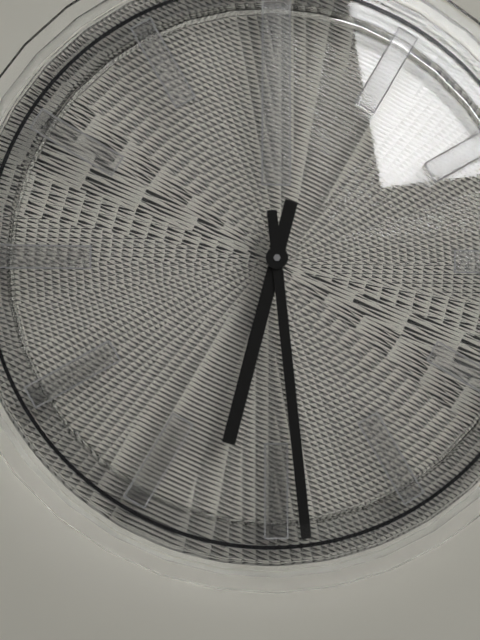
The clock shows h=6 m=29
